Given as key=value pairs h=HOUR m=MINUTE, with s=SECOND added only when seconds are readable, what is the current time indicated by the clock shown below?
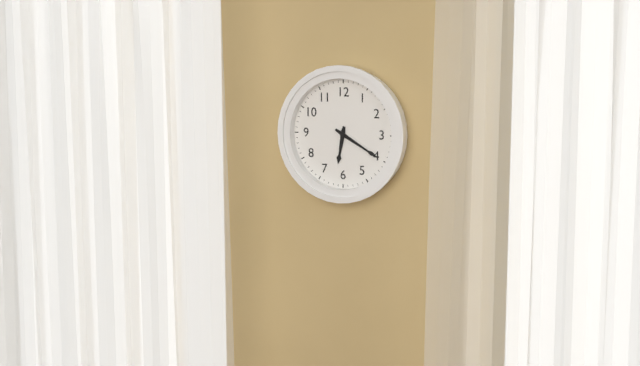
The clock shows h=6 m=20
